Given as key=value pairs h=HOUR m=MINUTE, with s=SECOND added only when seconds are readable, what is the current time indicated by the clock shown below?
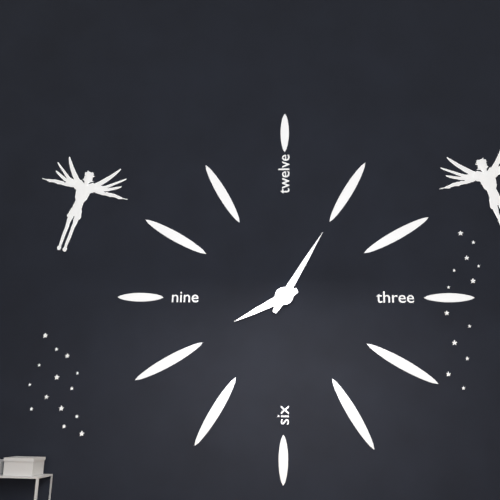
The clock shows h=8 m=5
